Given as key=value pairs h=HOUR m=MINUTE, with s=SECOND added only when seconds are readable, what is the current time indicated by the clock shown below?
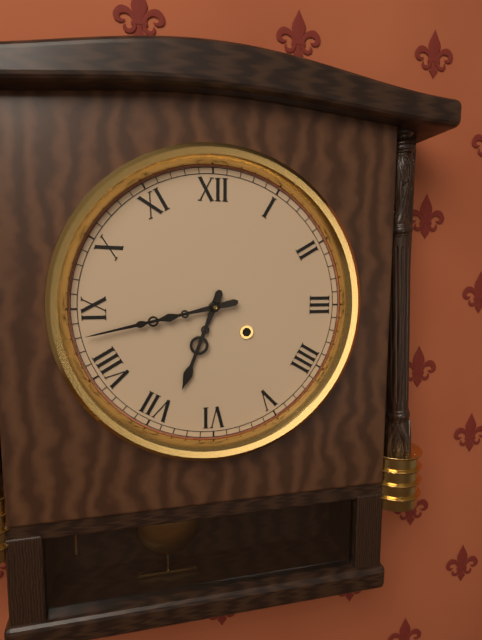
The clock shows h=6 m=43
